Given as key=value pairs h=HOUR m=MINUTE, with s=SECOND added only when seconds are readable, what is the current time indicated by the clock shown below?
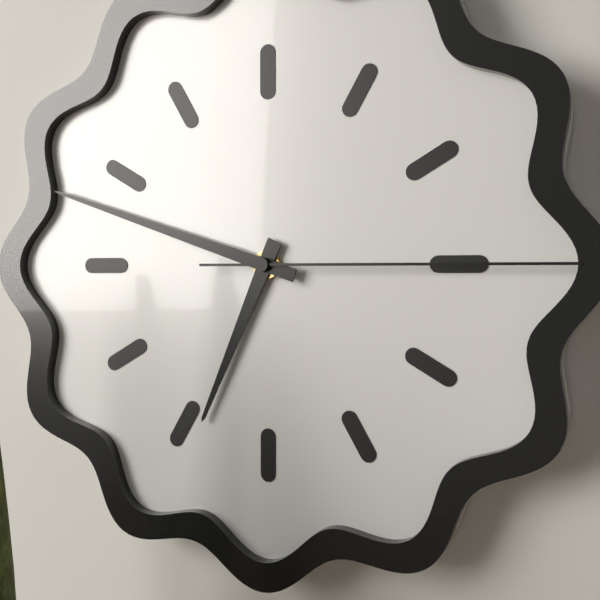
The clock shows h=6 m=48 s=15
